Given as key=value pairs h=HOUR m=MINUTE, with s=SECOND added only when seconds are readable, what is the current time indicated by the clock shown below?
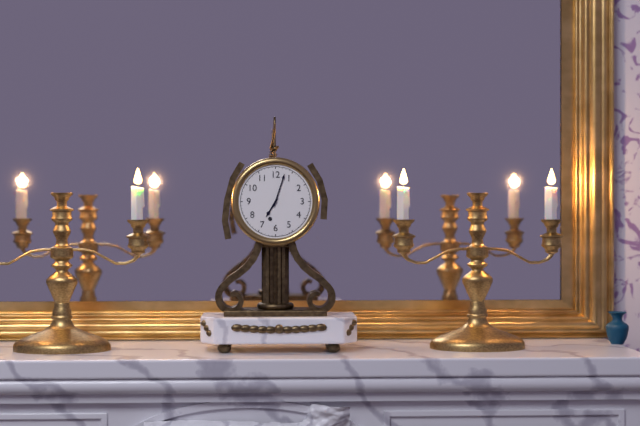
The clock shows h=7 m=3
